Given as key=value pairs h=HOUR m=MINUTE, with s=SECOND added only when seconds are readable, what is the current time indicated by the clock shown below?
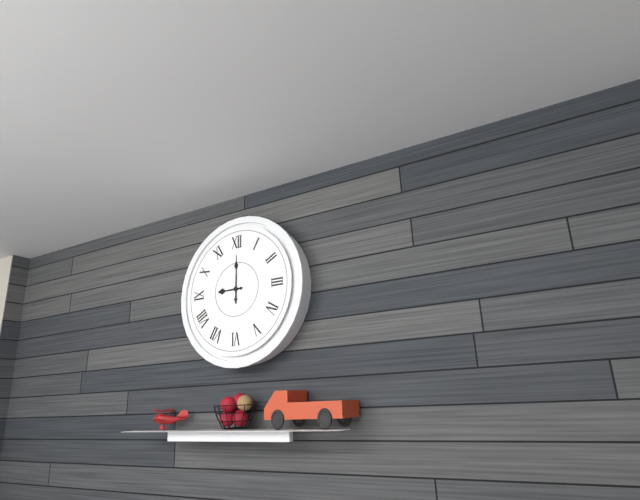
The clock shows h=9 m=0
